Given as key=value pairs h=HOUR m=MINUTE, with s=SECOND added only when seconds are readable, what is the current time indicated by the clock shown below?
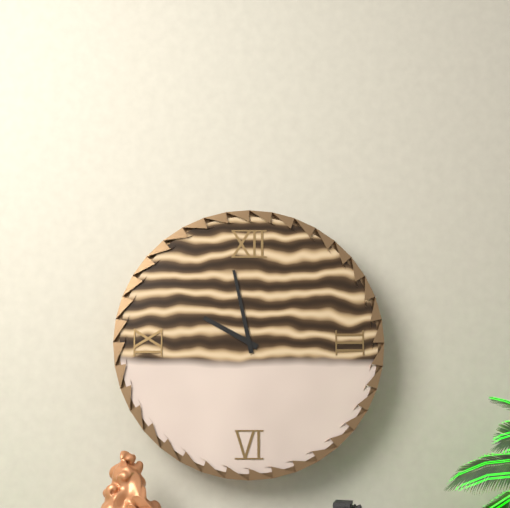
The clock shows h=9 m=58
